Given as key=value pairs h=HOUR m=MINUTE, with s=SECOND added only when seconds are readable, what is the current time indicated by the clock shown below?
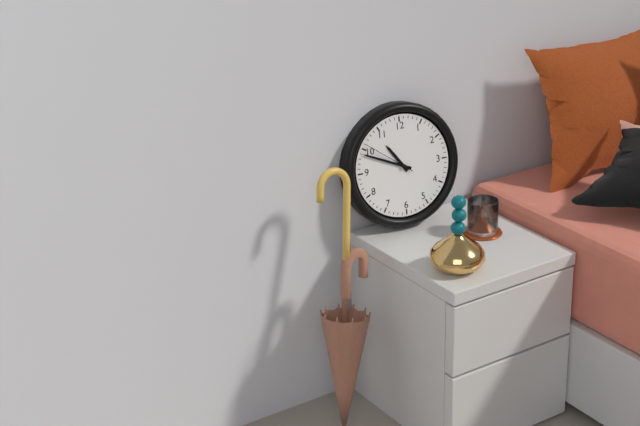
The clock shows h=10 m=49 s=51
